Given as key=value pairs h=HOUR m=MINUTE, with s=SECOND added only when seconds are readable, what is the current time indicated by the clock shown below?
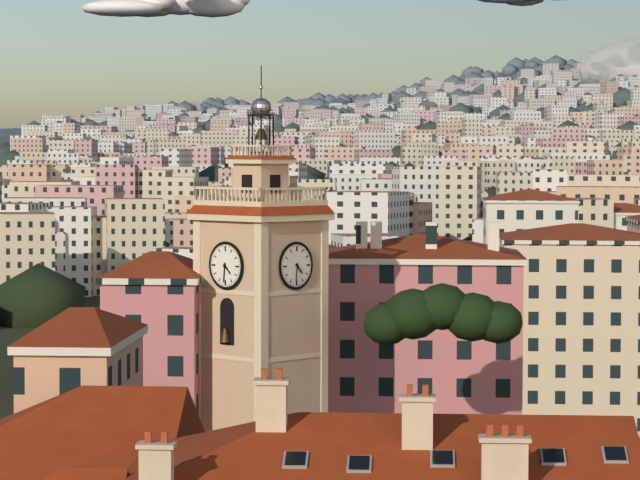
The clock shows h=4 m=31
